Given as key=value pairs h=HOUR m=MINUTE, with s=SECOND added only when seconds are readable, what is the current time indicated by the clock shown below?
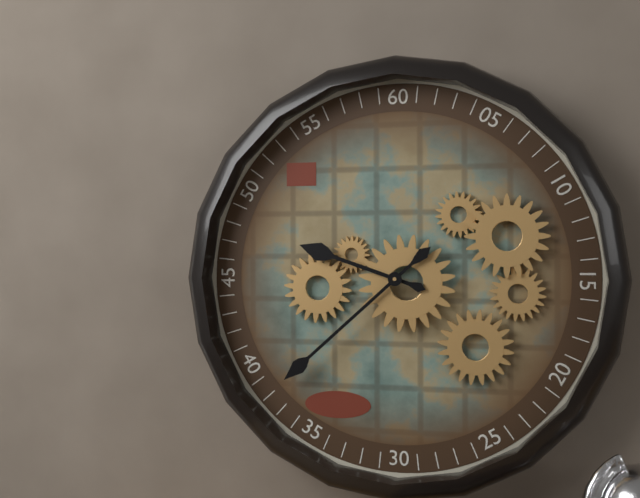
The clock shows h=9 m=38
